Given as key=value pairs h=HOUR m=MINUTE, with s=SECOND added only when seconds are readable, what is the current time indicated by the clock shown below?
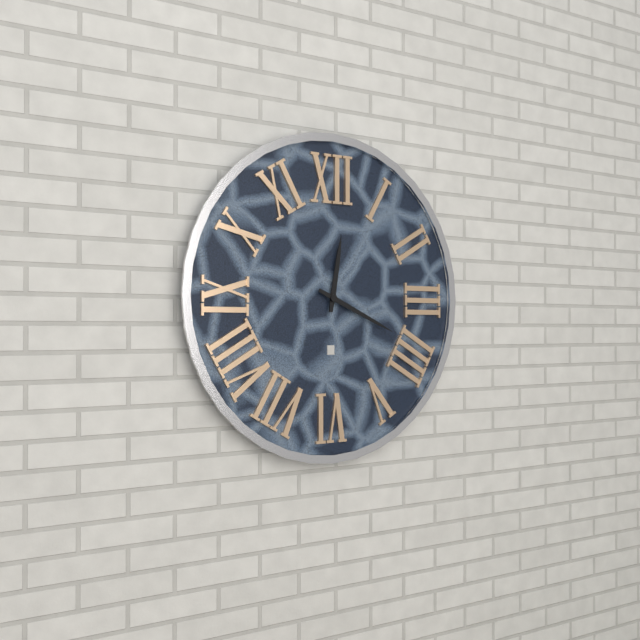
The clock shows h=12 m=19
